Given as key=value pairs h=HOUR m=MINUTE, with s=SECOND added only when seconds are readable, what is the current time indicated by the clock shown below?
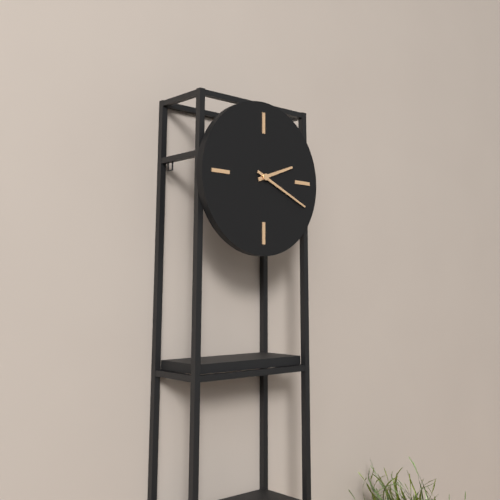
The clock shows h=2 m=19
